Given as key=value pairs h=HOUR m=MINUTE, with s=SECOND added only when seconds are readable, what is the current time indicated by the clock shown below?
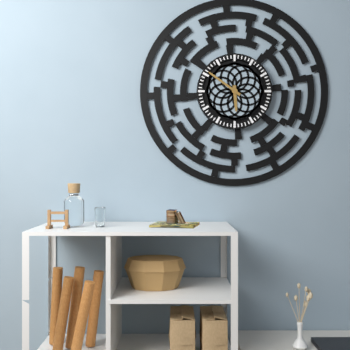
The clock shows h=5 m=51
